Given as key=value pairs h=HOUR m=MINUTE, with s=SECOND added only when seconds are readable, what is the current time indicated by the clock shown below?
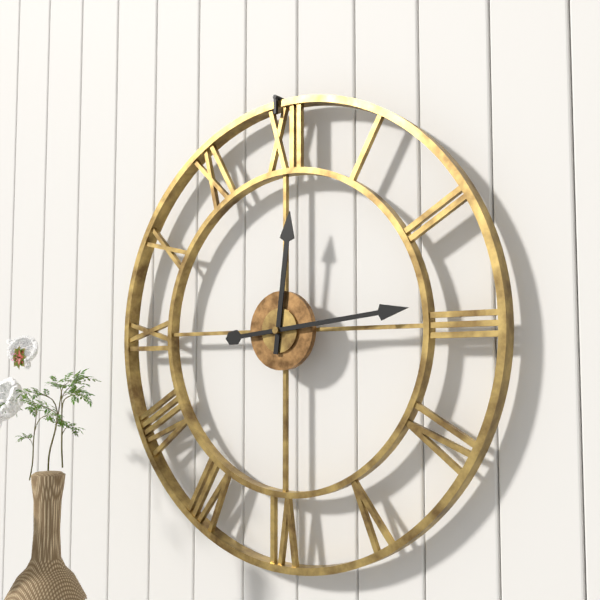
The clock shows h=12 m=14
